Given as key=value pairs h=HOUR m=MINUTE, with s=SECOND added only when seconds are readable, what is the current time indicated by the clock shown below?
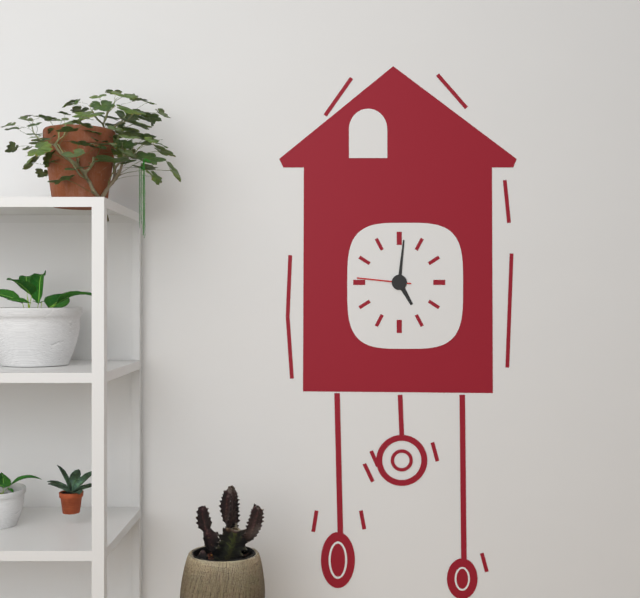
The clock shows h=5 m=1 s=46
